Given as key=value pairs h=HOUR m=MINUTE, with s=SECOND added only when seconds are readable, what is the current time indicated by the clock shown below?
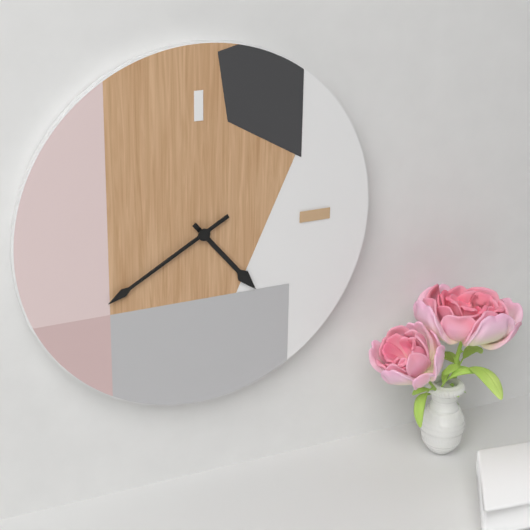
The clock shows h=4 m=40
